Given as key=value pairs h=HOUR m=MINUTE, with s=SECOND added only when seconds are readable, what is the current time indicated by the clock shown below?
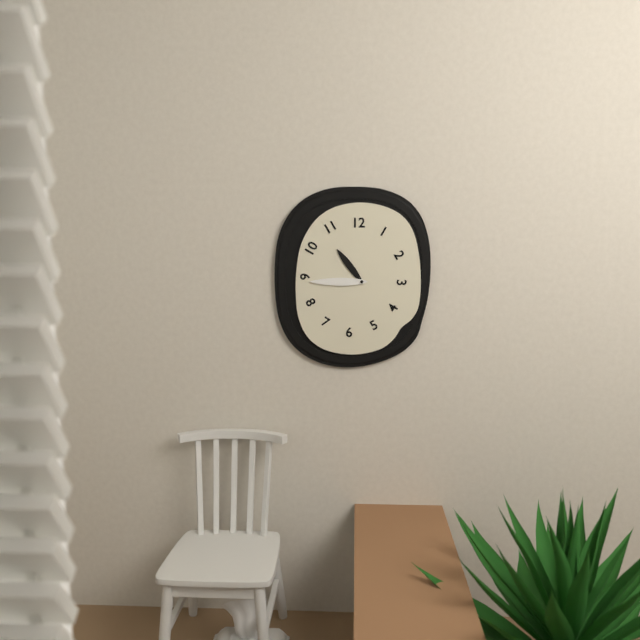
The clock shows h=10 m=45
